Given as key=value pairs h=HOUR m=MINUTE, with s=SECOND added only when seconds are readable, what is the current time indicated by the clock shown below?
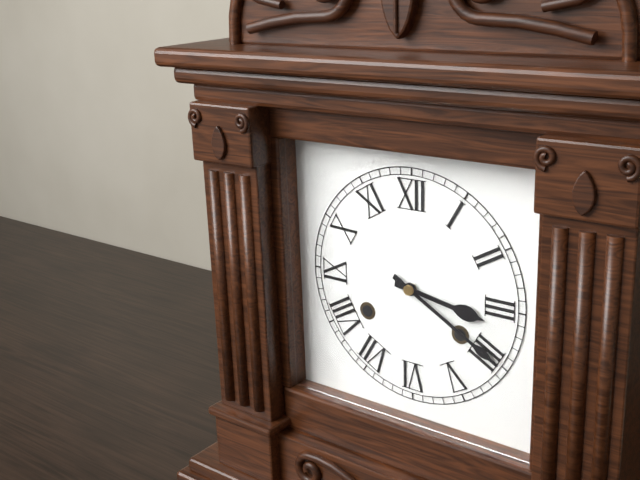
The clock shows h=3 m=20
